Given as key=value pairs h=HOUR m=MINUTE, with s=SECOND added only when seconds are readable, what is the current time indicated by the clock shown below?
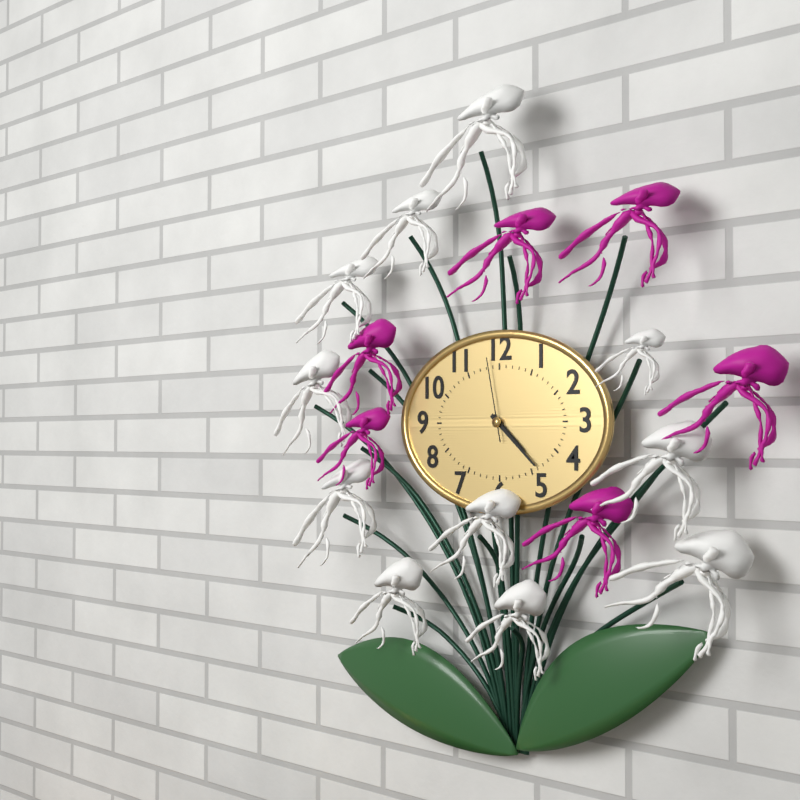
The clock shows h=4 m=22 s=58
